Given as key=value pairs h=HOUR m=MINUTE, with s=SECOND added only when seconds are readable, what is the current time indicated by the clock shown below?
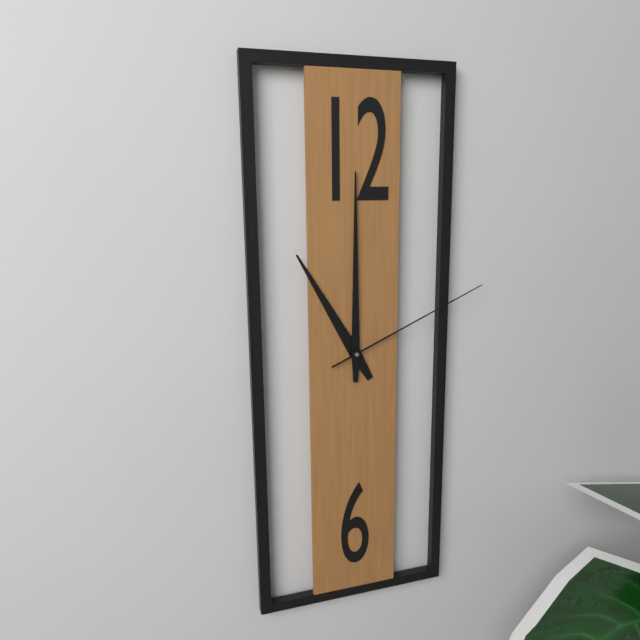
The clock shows h=11 m=0 s=11
